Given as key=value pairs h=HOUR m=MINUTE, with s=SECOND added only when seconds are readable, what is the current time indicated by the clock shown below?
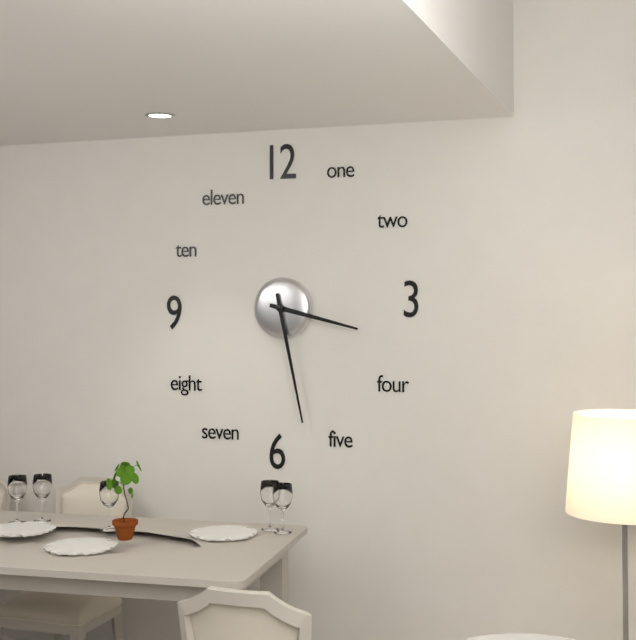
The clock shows h=3 m=28
